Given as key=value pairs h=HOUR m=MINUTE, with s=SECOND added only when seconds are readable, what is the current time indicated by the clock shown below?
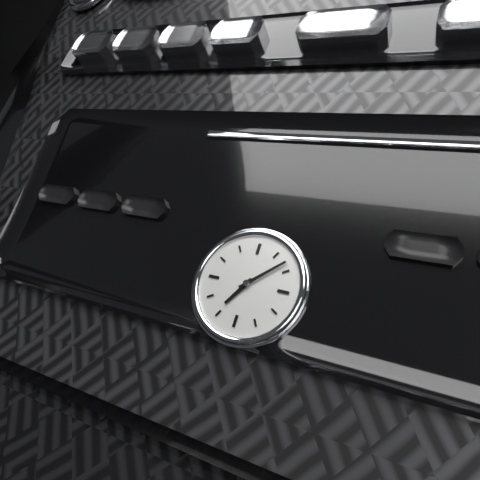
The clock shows h=7 m=8
